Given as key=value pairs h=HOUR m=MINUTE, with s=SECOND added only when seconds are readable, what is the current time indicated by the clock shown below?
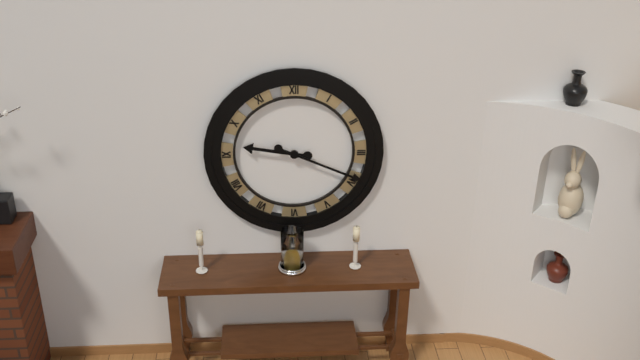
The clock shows h=9 m=19
